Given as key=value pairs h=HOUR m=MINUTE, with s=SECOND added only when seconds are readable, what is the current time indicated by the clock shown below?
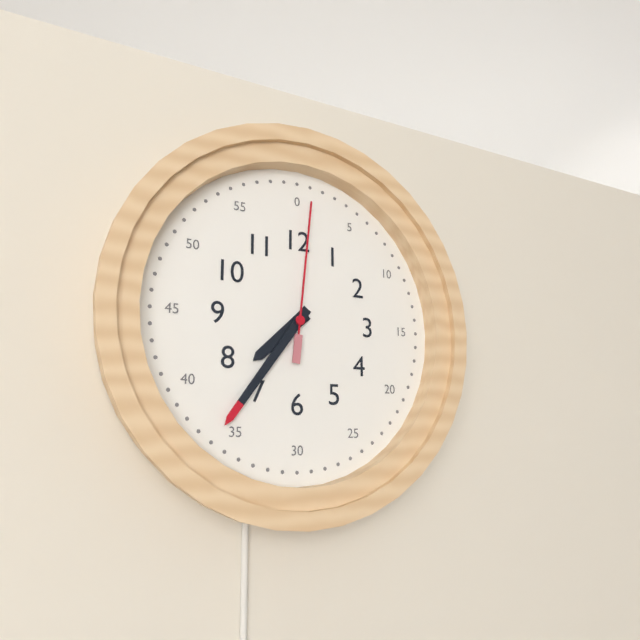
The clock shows h=7 m=36 s=1
